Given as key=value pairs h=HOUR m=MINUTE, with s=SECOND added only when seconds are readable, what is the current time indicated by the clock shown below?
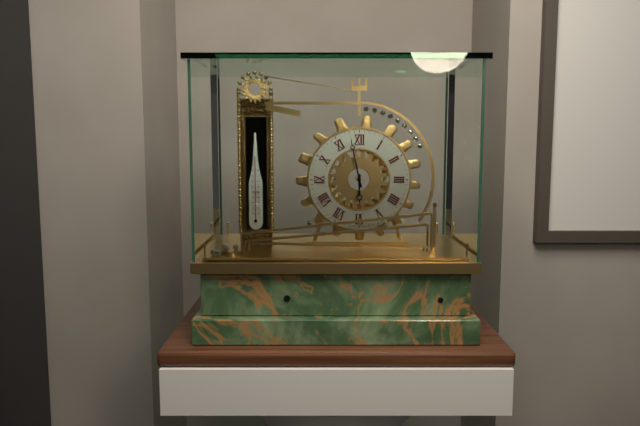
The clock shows h=5 m=58
